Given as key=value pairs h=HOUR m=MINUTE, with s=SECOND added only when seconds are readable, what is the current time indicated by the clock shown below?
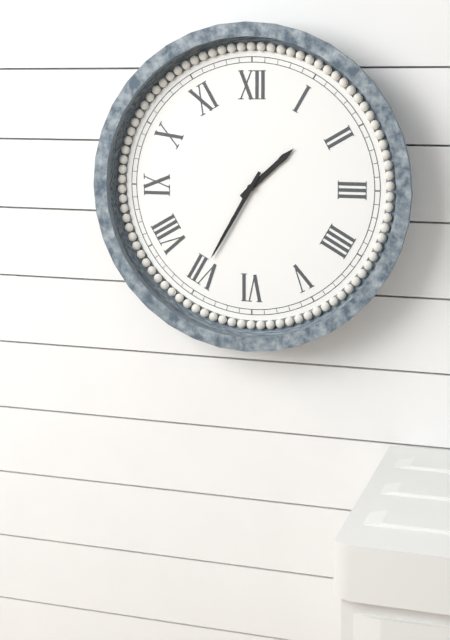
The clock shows h=1 m=35
